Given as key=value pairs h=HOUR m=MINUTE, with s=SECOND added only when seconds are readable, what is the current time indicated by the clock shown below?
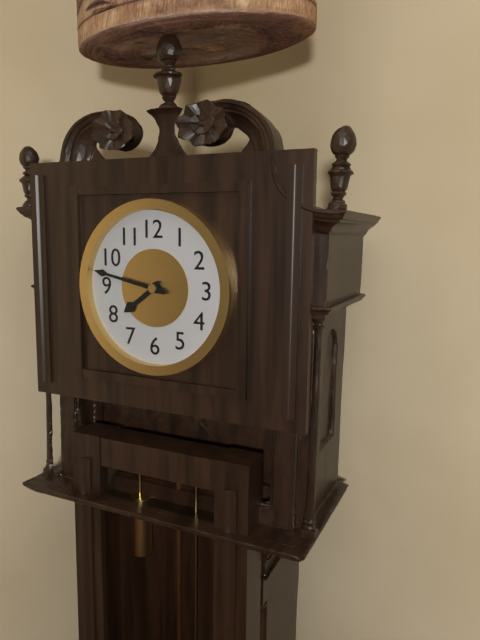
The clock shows h=7 m=47
